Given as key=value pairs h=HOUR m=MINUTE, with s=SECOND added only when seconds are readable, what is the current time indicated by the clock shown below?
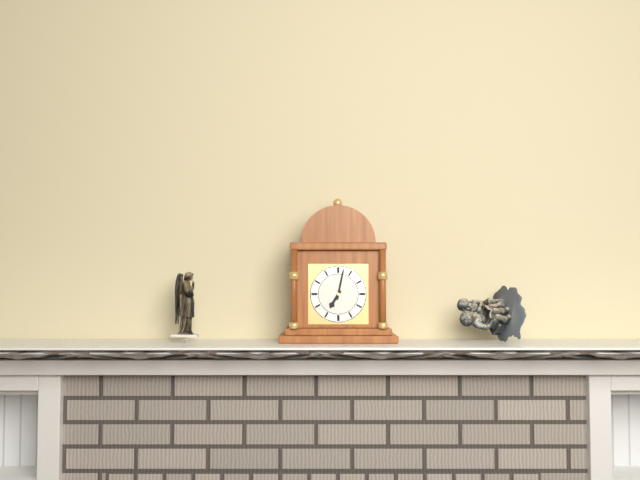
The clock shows h=7 m=2
